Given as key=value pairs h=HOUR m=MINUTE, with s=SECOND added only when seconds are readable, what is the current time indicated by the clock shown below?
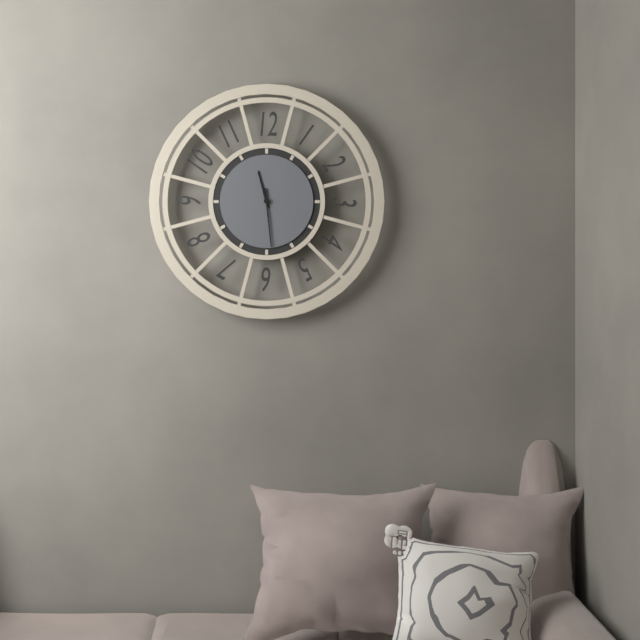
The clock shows h=11 m=29
